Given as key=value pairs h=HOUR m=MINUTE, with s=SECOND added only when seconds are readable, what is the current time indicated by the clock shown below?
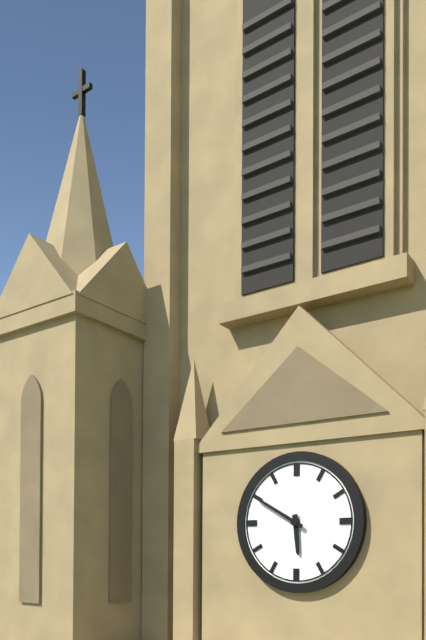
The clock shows h=5 m=50
